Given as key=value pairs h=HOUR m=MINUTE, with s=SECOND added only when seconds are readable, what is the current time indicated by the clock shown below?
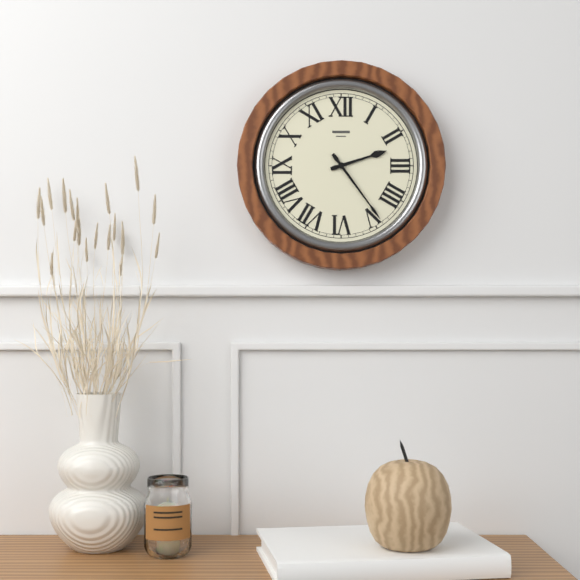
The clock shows h=2 m=24
